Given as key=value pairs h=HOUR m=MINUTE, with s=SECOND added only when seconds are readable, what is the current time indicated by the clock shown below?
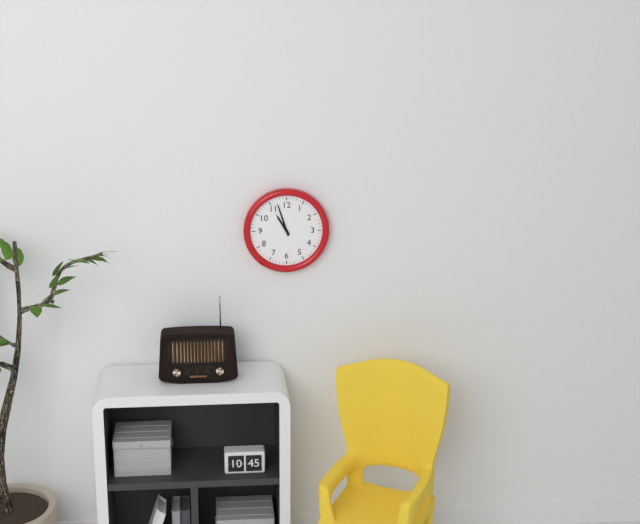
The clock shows h=10 m=57
